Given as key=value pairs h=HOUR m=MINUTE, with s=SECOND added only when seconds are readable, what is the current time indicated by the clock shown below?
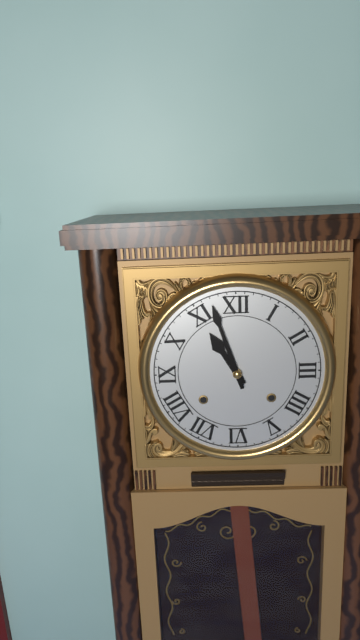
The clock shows h=10 m=57
